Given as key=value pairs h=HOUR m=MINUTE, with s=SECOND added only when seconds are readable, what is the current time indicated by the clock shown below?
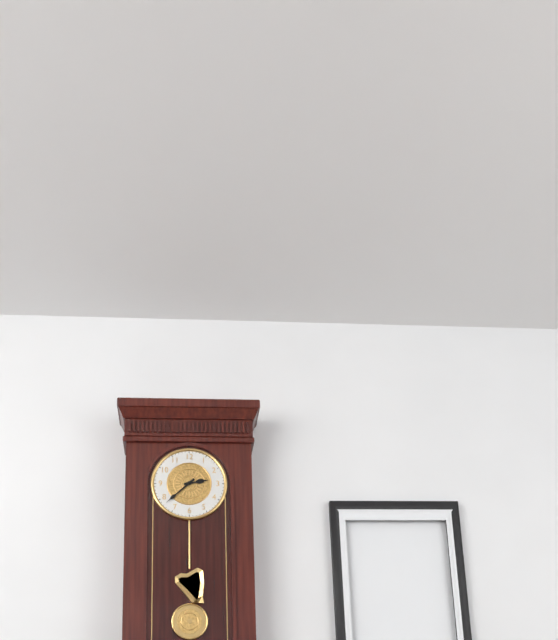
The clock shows h=2 m=38
